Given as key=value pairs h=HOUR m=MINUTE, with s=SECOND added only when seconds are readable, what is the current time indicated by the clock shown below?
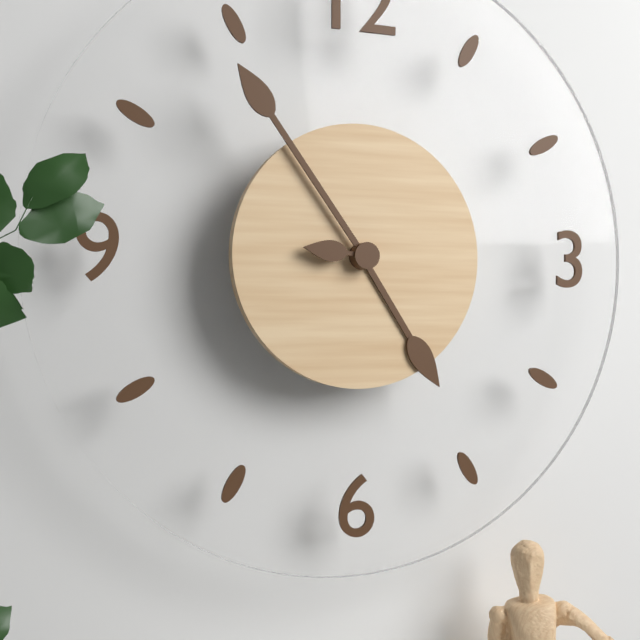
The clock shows h=4 m=54
